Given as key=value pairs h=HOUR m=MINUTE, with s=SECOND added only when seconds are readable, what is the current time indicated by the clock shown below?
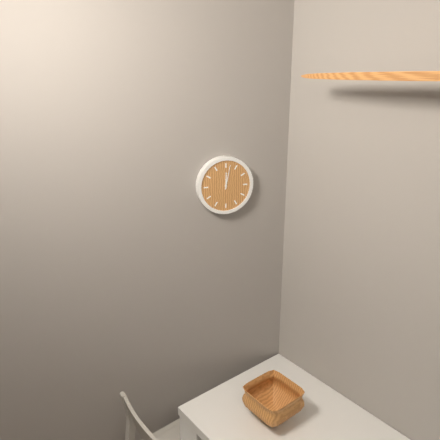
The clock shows h=12 m=2
